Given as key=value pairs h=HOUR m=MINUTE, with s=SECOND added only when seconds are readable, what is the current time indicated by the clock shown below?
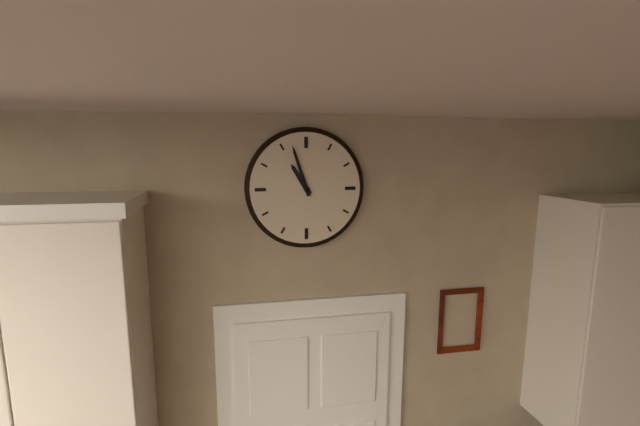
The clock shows h=10 m=57
